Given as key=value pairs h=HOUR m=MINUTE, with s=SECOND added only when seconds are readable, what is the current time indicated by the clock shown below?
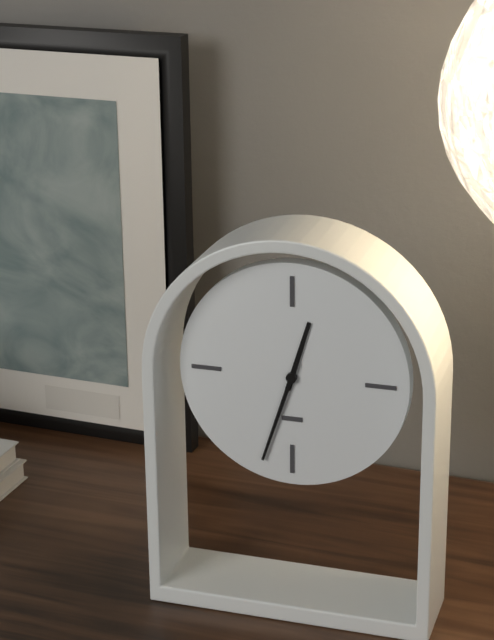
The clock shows h=12 m=33
